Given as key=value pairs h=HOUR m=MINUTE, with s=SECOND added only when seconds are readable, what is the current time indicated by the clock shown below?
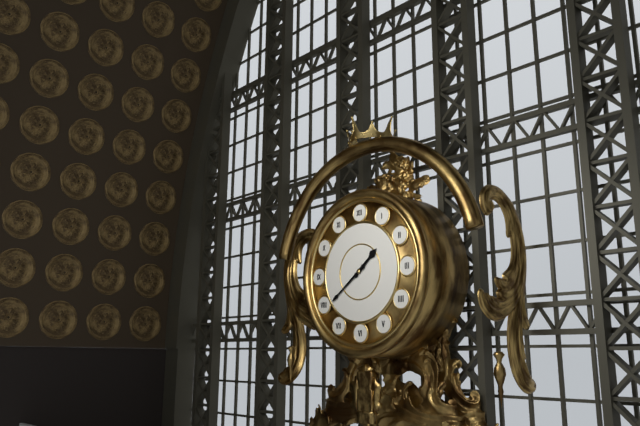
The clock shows h=1 m=39
